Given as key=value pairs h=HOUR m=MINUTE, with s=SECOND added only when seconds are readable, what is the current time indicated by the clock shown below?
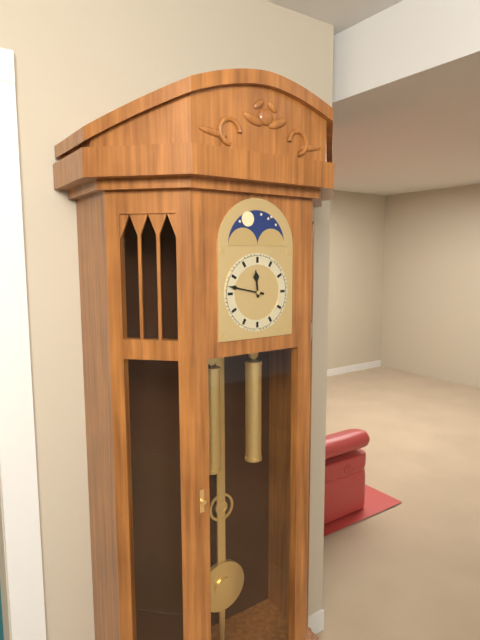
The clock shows h=11 m=47
